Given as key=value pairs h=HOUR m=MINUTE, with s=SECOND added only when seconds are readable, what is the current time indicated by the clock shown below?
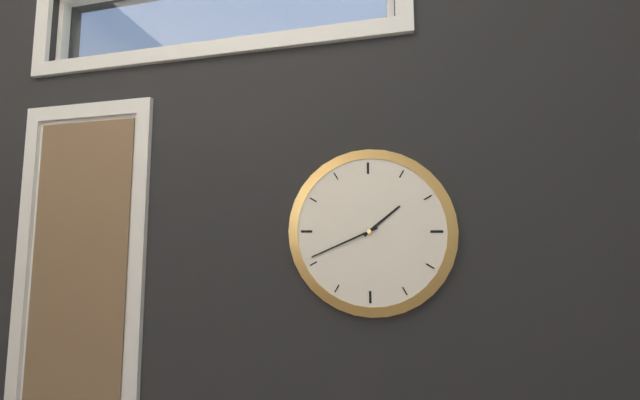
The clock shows h=1 m=41
